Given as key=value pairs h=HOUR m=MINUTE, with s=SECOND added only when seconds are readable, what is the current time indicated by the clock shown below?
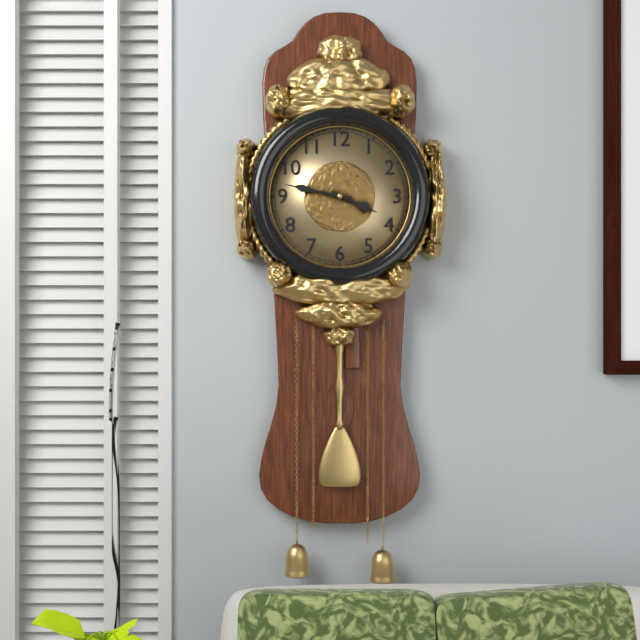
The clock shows h=3 m=47
